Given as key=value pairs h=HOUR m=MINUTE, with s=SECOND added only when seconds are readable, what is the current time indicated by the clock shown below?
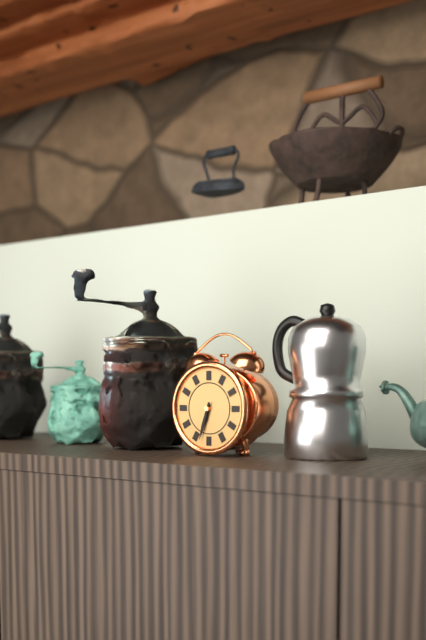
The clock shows h=6 m=33
